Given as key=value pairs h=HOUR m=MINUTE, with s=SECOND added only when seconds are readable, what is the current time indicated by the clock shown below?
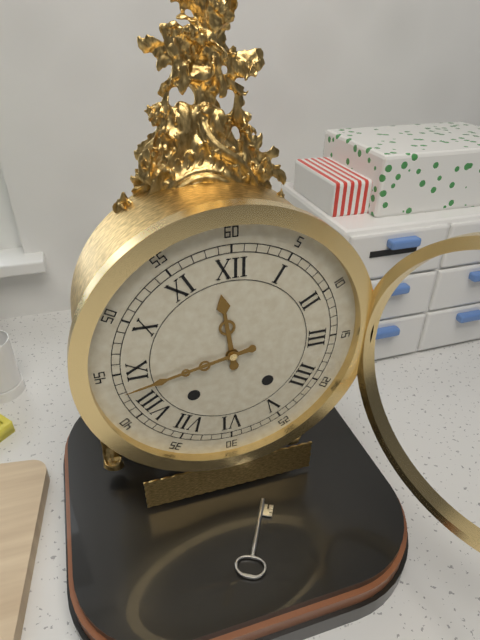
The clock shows h=11 m=43
